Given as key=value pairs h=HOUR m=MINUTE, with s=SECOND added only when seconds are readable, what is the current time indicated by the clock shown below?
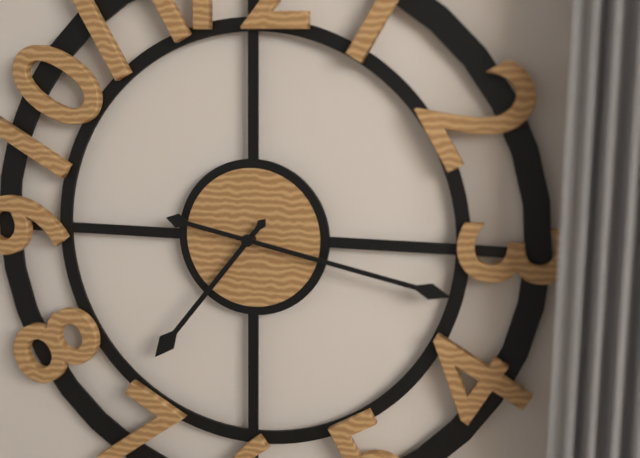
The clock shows h=7 m=17
